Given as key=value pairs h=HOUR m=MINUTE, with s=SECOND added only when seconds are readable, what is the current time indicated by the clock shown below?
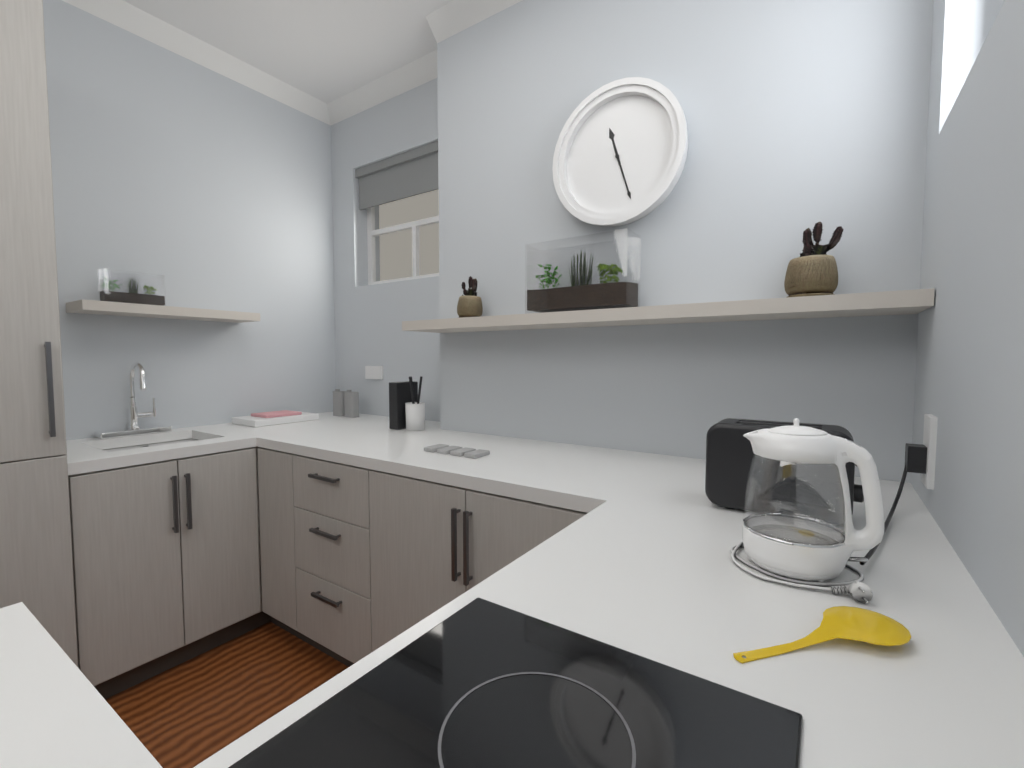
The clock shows h=11 m=27
